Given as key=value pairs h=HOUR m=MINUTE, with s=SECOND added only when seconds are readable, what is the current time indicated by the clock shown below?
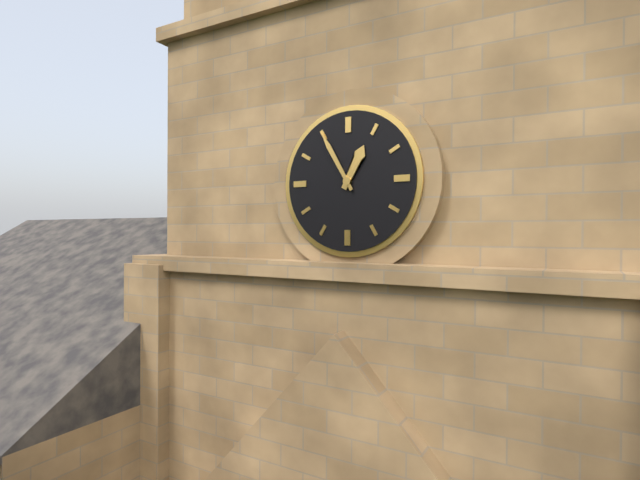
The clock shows h=12 m=55
